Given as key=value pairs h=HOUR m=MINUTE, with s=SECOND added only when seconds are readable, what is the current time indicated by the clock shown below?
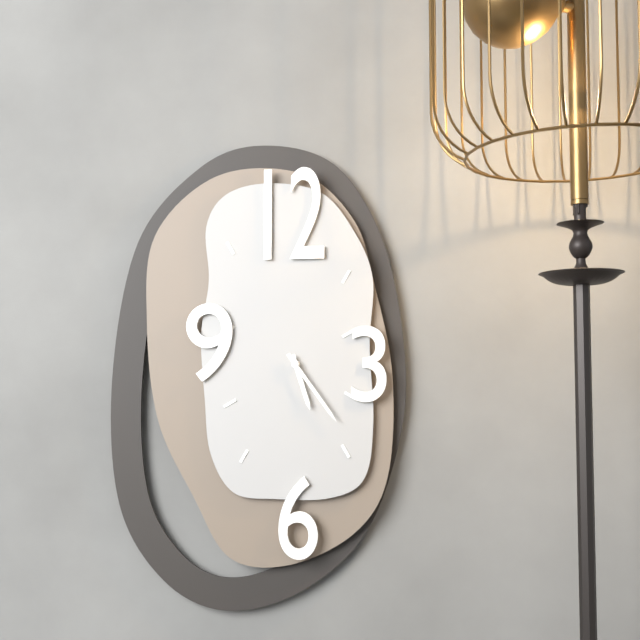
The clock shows h=5 m=24
